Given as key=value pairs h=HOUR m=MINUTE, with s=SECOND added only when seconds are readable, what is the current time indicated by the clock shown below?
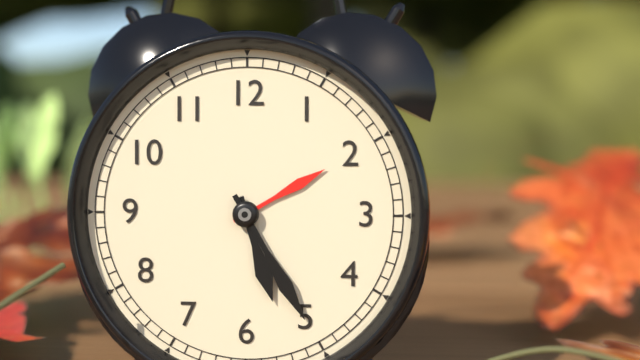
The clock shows h=5 m=25
